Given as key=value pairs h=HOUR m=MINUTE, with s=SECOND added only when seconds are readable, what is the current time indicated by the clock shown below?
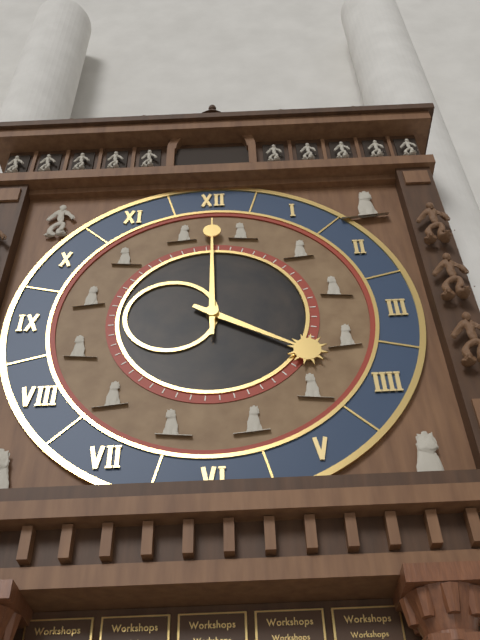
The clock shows h=4 m=0
